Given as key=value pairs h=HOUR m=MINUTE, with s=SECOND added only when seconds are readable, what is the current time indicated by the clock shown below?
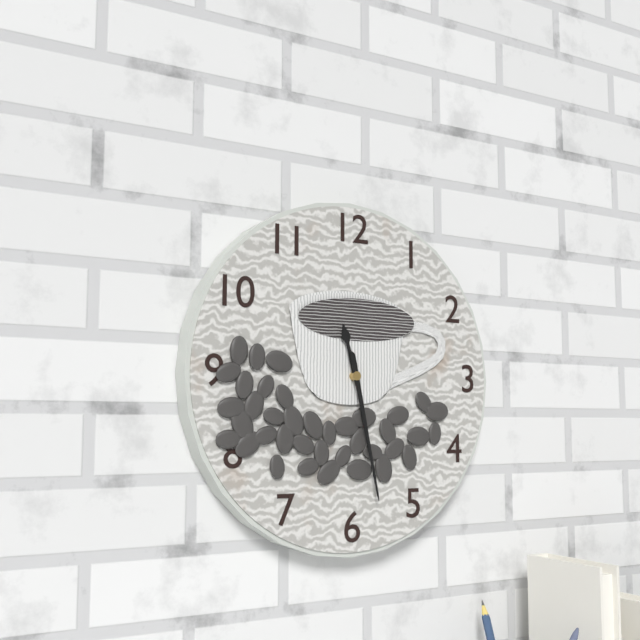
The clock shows h=11 m=28
